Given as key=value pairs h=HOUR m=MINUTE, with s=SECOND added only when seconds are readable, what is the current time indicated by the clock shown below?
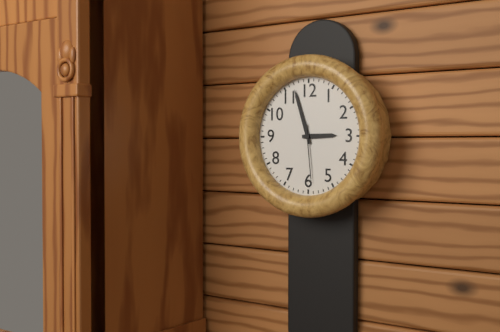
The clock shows h=2 m=57 s=29
